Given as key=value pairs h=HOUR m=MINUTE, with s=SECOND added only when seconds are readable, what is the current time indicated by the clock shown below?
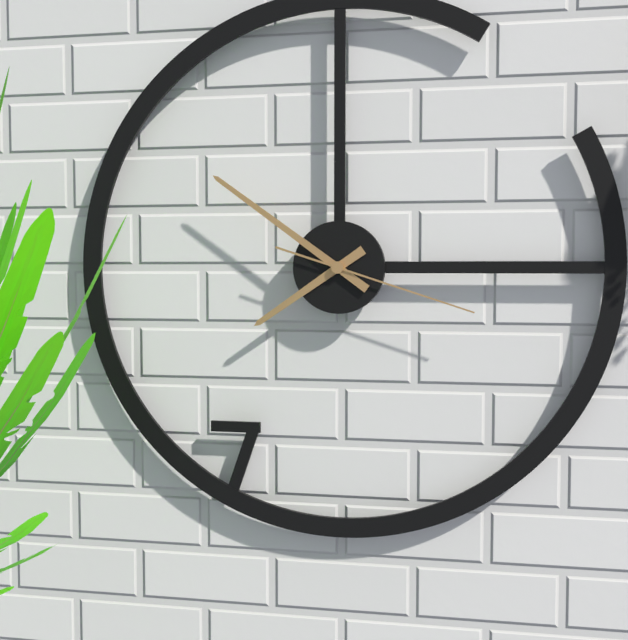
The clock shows h=7 m=51 s=18
